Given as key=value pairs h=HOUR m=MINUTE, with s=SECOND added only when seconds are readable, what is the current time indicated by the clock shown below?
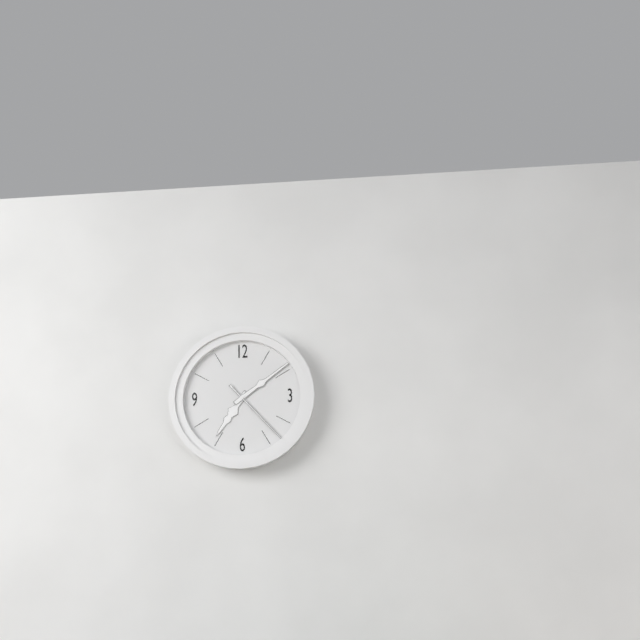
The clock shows h=7 m=9 s=23
